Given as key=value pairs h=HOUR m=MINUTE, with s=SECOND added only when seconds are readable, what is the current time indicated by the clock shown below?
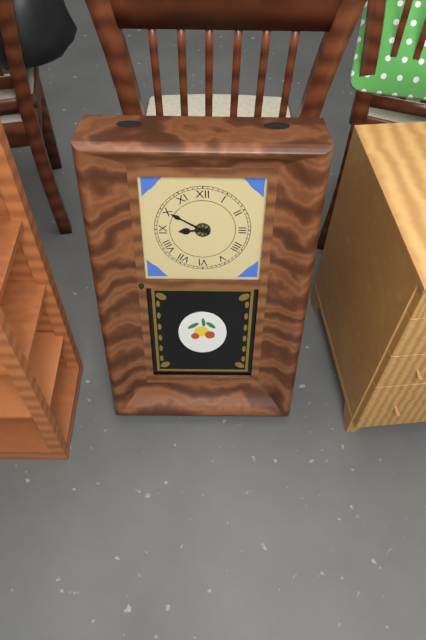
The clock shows h=8 m=50
